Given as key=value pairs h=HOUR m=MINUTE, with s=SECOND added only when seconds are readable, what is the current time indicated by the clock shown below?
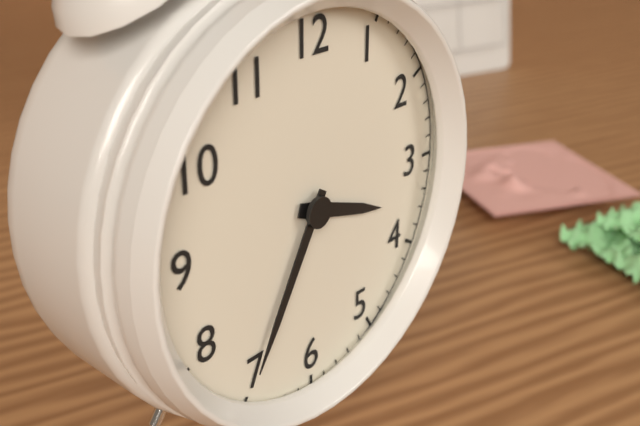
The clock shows h=3 m=35
